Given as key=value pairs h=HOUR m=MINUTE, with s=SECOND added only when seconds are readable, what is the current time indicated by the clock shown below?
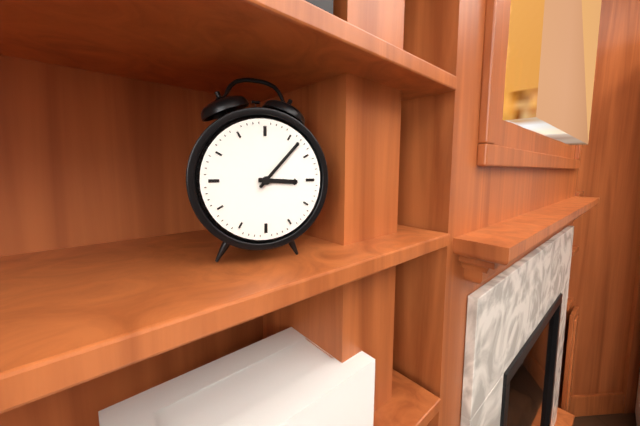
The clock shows h=3 m=7
